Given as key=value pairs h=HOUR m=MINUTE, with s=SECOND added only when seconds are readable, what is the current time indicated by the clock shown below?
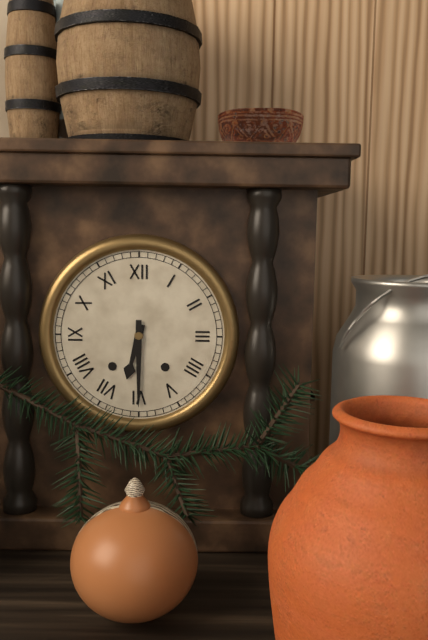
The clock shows h=6 m=30
